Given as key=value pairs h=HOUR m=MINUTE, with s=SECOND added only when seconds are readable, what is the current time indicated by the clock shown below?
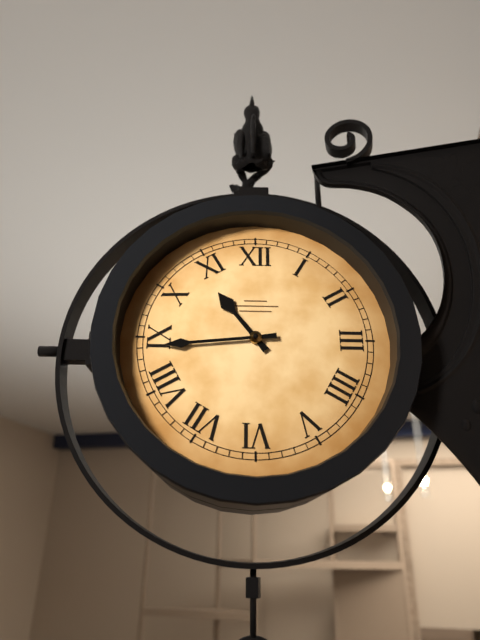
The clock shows h=10 m=44
